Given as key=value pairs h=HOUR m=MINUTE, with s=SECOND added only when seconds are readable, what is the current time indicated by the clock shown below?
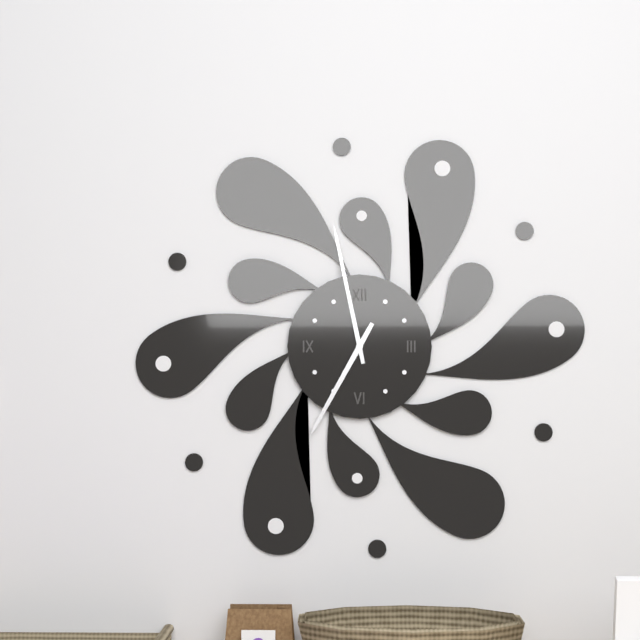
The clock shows h=6 m=58
